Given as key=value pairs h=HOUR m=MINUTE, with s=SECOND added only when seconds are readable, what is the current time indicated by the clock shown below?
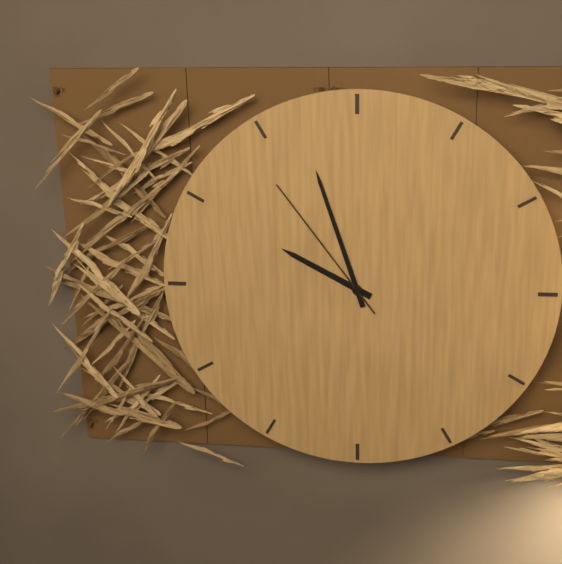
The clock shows h=9 m=57 s=54
